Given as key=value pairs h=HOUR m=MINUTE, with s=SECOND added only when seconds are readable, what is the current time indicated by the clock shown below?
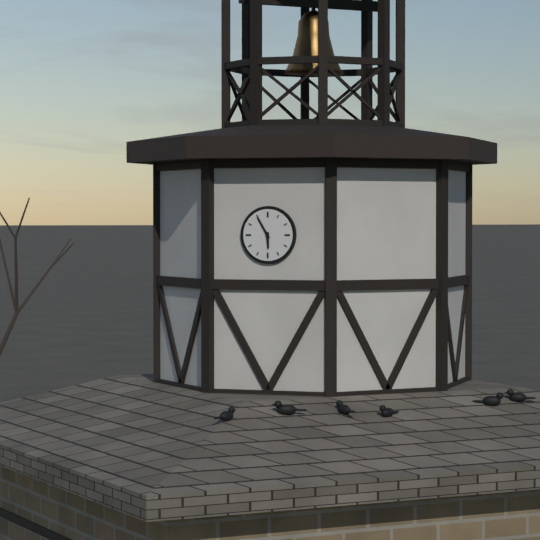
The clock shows h=5 m=55
